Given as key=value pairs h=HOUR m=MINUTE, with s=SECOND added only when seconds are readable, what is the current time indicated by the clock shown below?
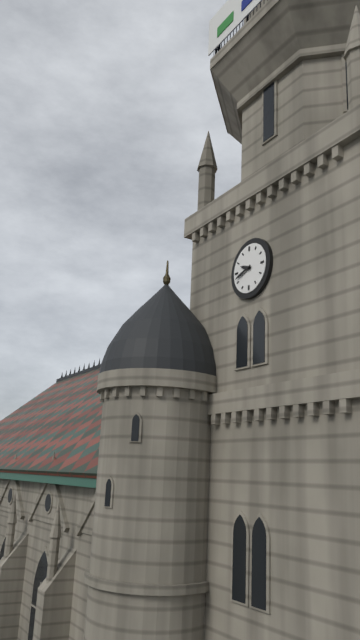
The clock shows h=9 m=42
